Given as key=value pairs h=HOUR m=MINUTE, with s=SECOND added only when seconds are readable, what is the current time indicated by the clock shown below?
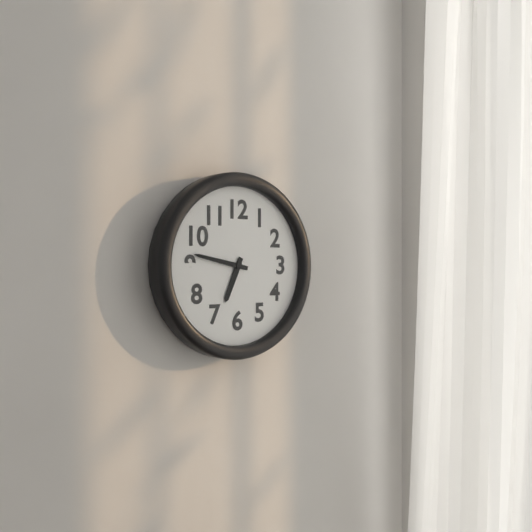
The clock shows h=6 m=47
